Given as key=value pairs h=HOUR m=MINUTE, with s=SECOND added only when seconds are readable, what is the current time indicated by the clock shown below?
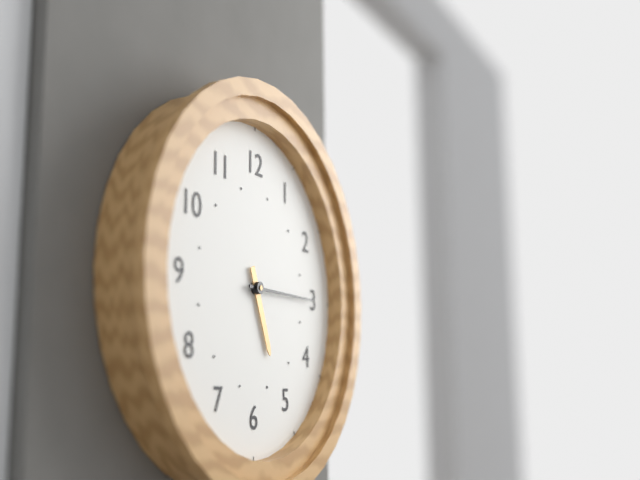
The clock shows h=5 m=15
